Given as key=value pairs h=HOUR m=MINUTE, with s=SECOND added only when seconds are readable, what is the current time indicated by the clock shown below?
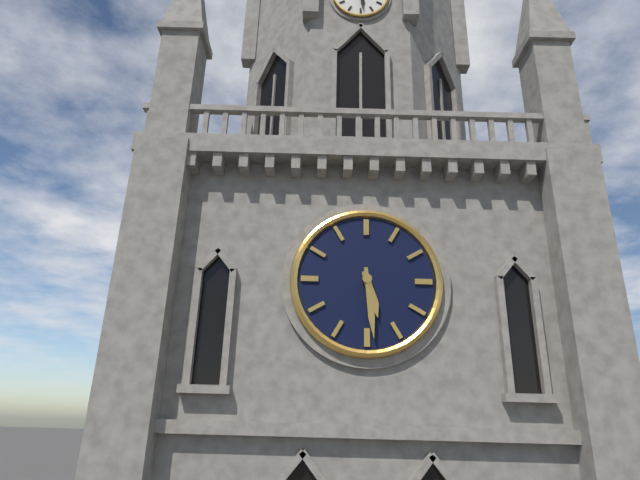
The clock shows h=5 m=29
